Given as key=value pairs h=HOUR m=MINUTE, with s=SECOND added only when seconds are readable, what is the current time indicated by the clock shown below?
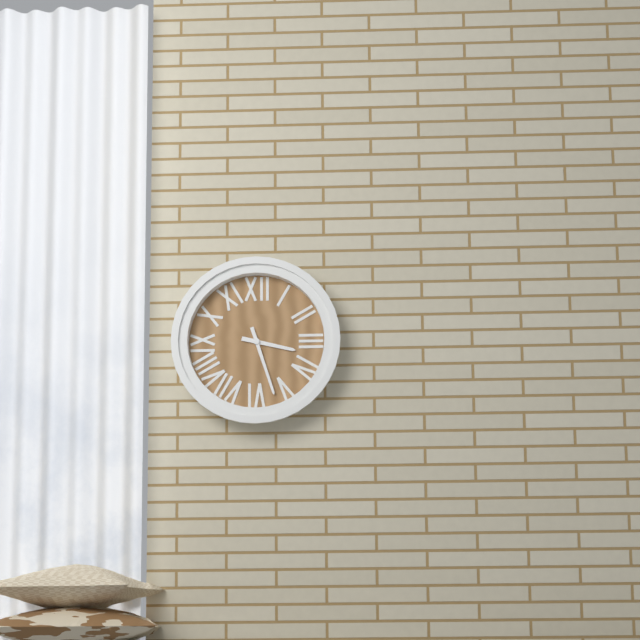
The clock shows h=3 m=27
